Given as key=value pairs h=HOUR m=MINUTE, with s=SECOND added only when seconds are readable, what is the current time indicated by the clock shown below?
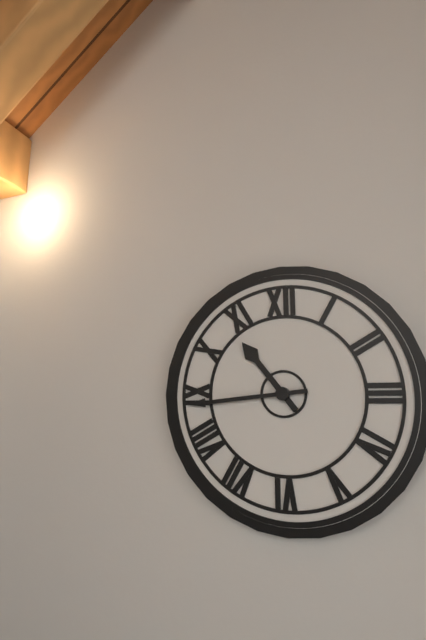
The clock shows h=10 m=44
